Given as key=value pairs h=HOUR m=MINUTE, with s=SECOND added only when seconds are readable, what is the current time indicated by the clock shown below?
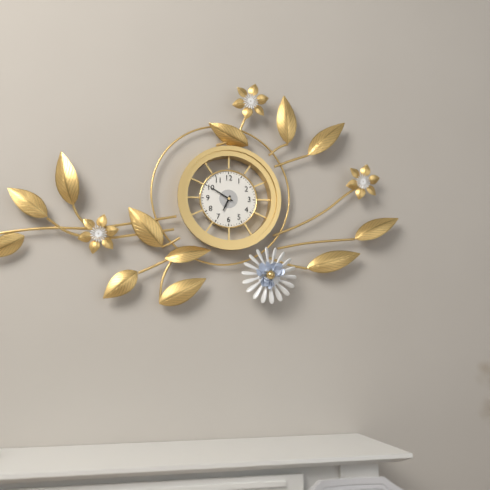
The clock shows h=6 m=50
